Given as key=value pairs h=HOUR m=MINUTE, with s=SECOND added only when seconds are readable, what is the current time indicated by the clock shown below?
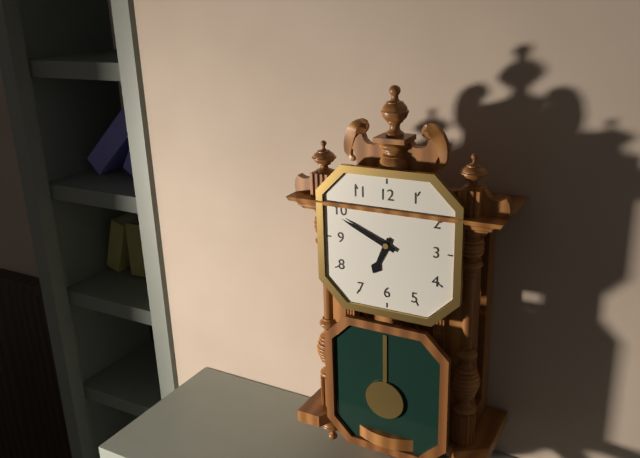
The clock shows h=6 m=49
